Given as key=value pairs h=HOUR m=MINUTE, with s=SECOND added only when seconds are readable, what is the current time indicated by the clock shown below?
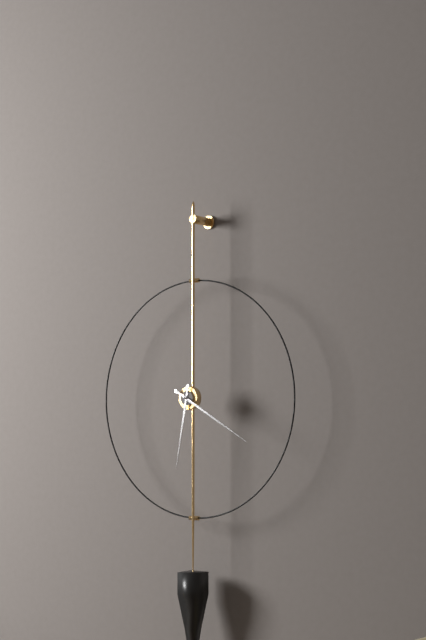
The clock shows h=6 m=20
